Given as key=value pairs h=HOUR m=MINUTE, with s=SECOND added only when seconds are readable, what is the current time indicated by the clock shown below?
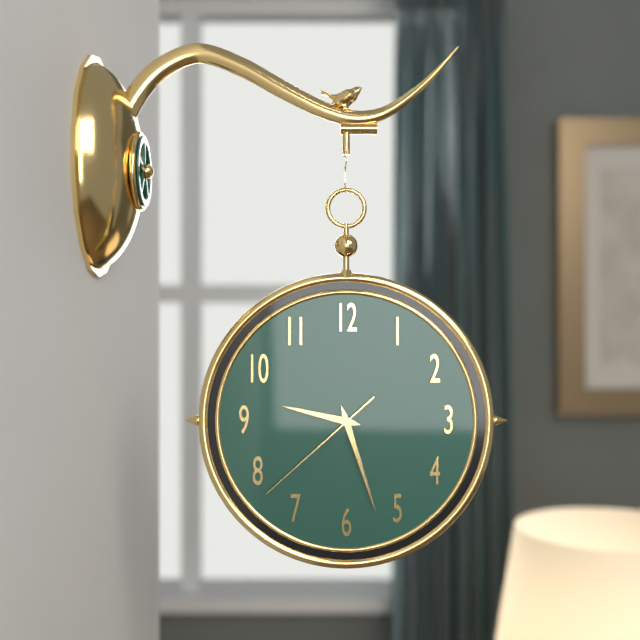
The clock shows h=9 m=27 s=38
